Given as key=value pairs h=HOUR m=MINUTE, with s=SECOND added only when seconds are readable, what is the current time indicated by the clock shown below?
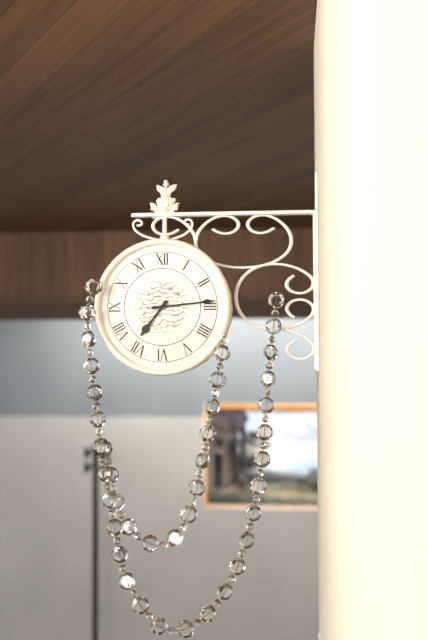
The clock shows h=7 m=14
